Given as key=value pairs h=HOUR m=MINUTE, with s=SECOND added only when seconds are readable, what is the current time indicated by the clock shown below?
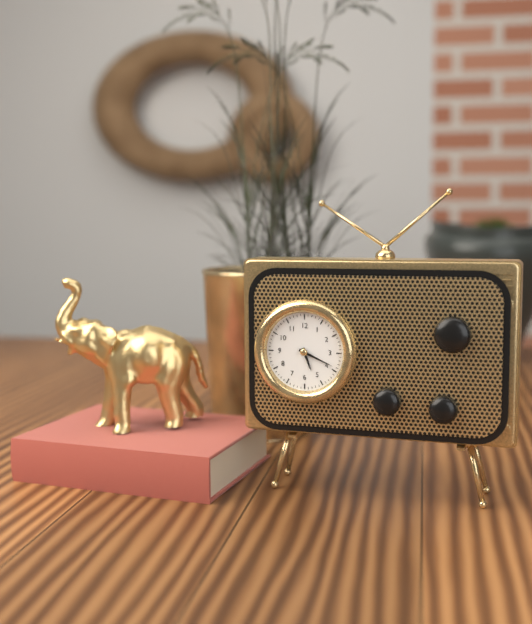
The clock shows h=5 m=19
